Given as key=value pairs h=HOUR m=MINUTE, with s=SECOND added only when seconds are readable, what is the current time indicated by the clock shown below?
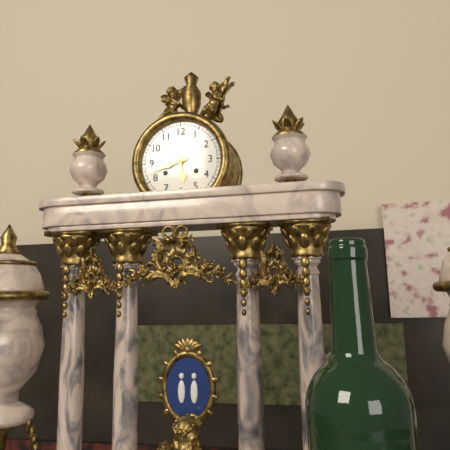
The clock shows h=5 m=42
